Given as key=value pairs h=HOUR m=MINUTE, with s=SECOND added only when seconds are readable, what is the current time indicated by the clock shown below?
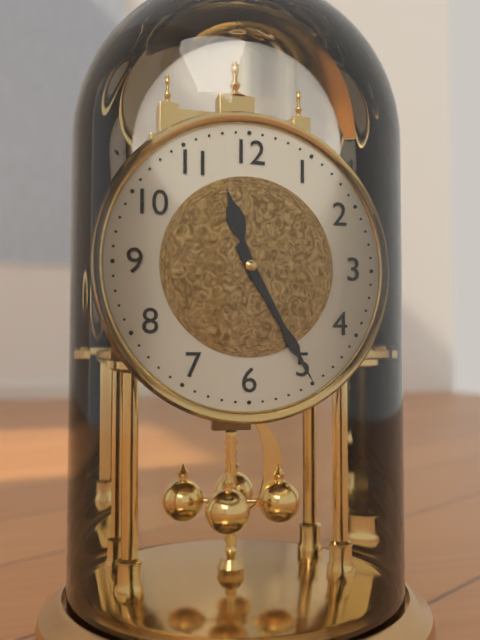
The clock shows h=11 m=25
